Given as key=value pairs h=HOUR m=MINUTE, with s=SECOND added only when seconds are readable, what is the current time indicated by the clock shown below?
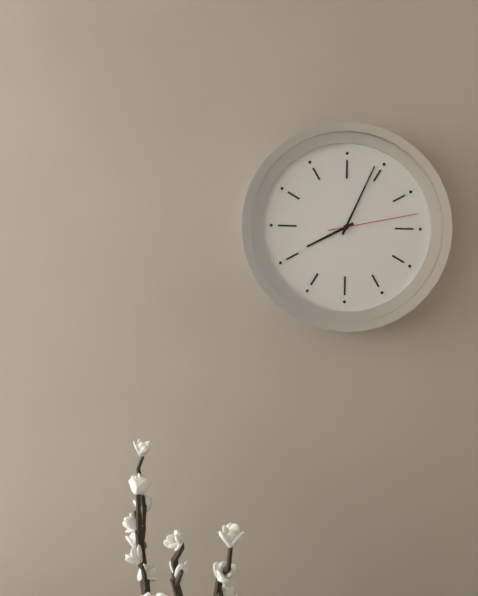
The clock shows h=8 m=4 s=13
